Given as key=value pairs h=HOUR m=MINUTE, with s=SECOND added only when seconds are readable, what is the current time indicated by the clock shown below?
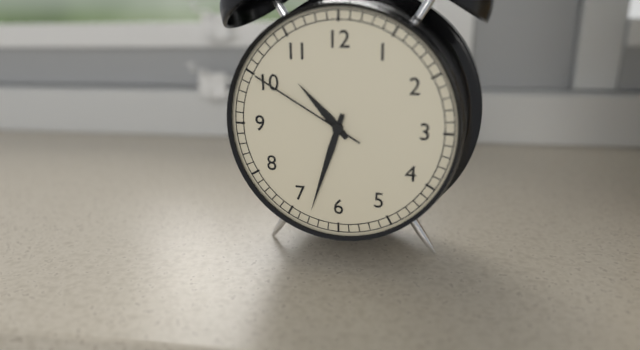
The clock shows h=10 m=33 s=50
